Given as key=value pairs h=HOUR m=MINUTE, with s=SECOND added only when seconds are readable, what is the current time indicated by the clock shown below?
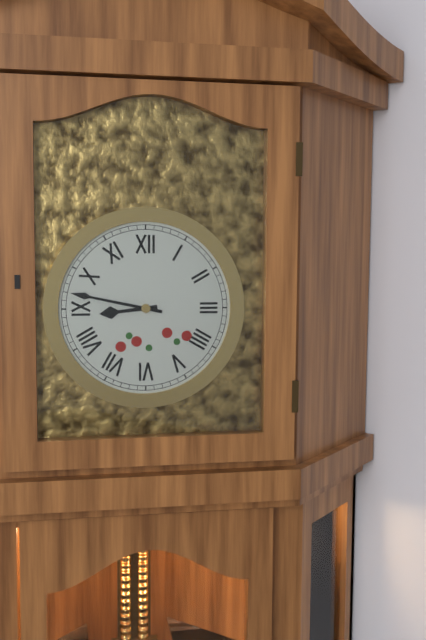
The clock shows h=8 m=47
